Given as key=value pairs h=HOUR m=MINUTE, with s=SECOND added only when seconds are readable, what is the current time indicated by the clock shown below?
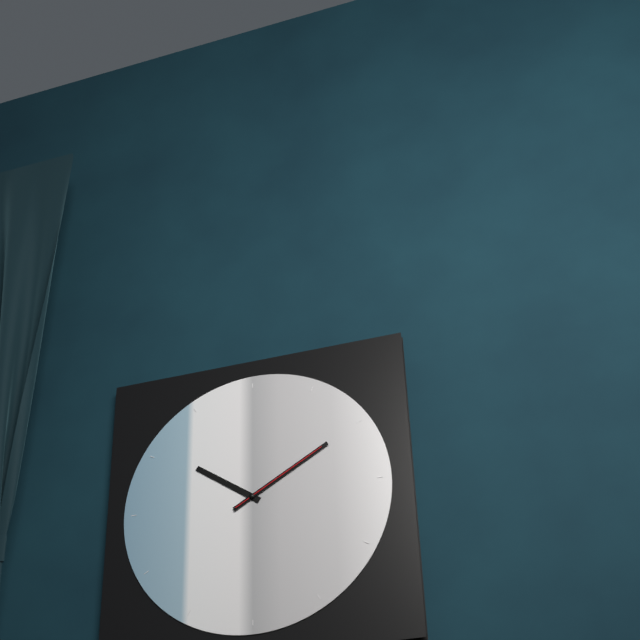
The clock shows h=10 m=10 s=10
